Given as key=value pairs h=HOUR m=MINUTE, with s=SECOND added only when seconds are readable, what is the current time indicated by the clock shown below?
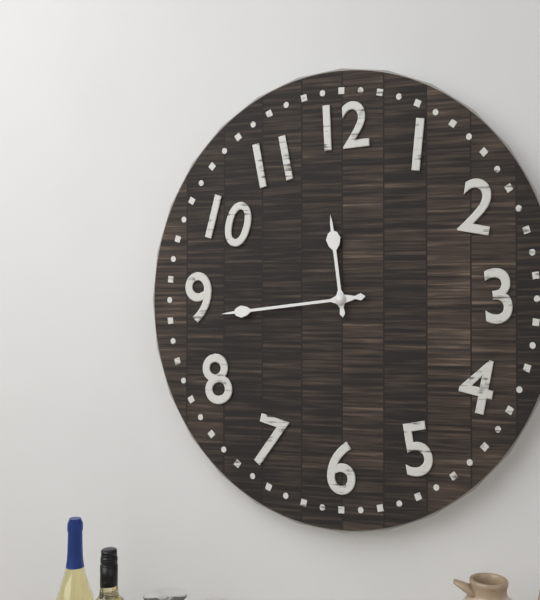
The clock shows h=11 m=44
